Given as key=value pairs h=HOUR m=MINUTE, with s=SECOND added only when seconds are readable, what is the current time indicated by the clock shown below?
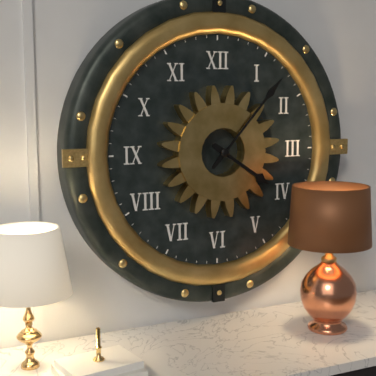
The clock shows h=4 m=7
